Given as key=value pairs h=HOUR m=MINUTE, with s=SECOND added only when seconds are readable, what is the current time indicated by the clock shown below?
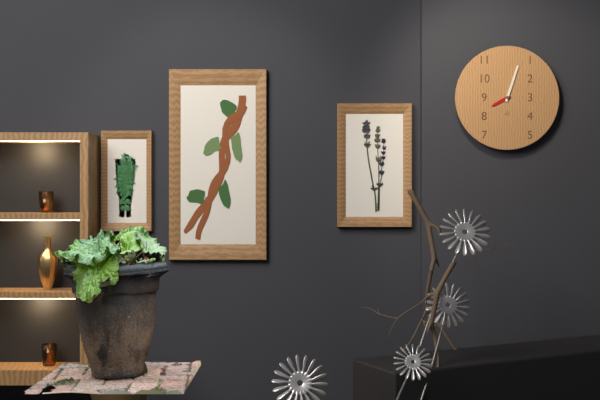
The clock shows h=8 m=3
